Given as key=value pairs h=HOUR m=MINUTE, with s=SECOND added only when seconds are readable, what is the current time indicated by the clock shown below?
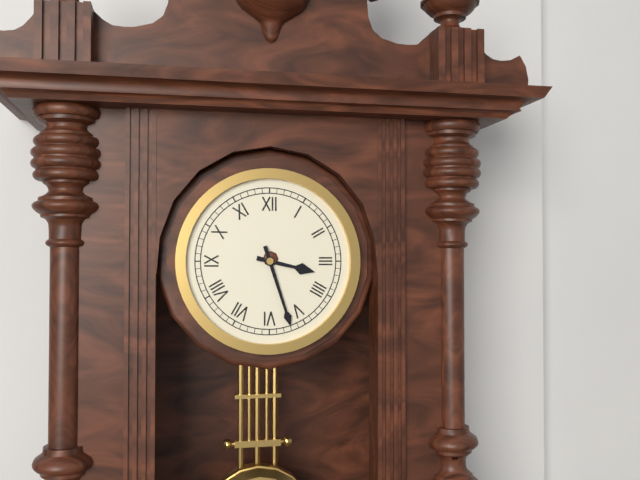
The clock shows h=3 m=27
